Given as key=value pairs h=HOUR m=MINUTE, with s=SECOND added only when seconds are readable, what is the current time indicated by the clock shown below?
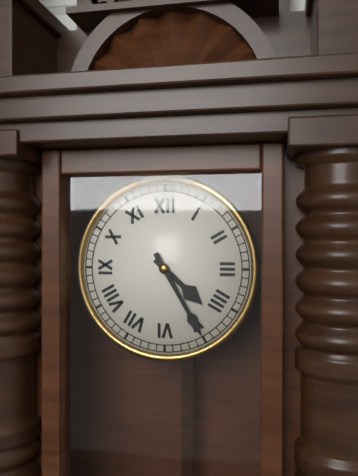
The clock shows h=4 m=25
